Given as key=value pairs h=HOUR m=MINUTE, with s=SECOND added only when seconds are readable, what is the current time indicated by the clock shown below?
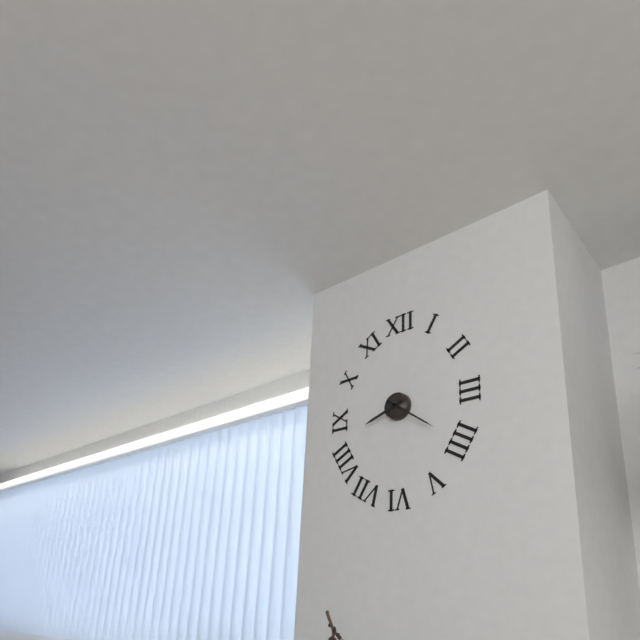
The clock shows h=8 m=21
